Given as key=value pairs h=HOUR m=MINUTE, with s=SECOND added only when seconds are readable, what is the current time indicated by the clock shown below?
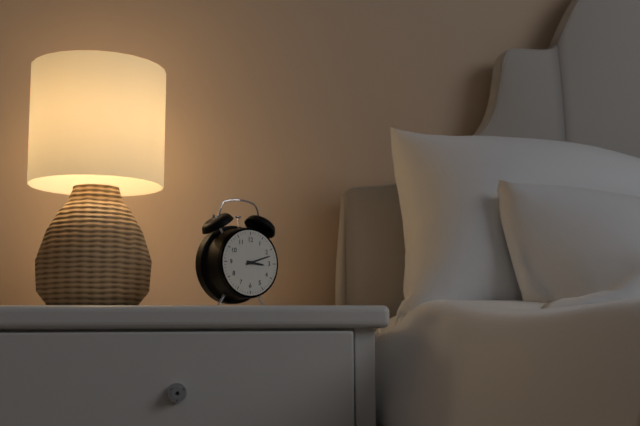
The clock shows h=3 m=12
